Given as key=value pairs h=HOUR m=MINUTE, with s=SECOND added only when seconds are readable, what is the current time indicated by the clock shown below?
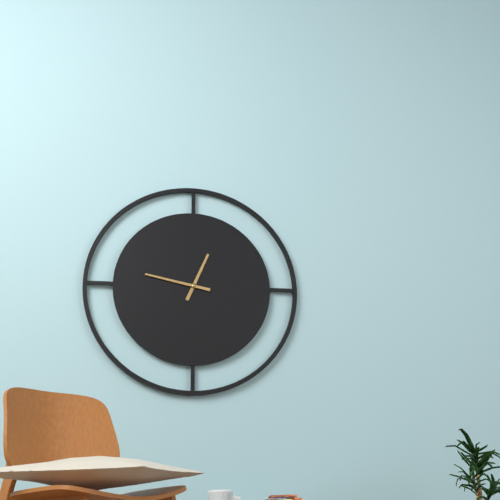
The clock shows h=12 m=47
